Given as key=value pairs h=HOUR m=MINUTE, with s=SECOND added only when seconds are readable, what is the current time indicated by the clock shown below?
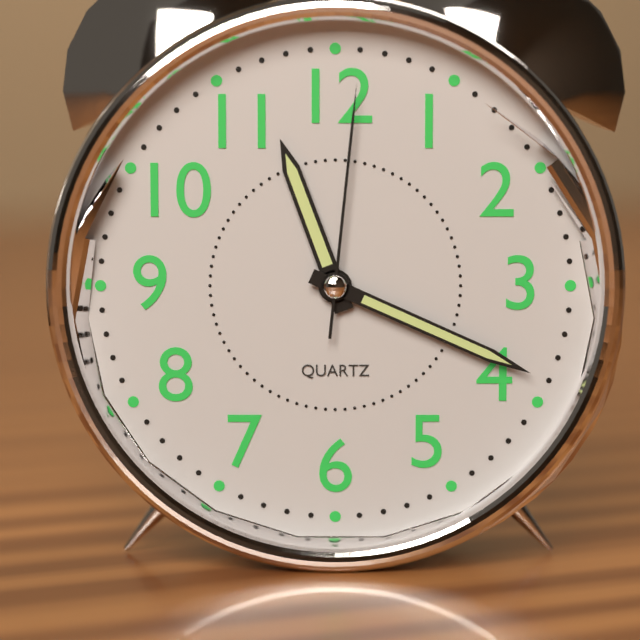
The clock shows h=11 m=19 s=1
